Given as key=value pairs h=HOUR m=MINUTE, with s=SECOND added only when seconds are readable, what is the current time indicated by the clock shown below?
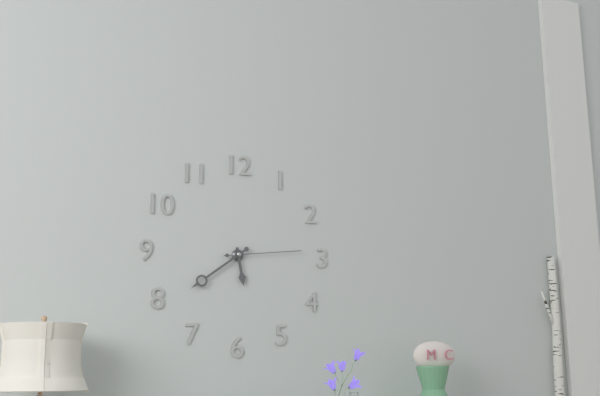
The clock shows h=5 m=39 s=14
